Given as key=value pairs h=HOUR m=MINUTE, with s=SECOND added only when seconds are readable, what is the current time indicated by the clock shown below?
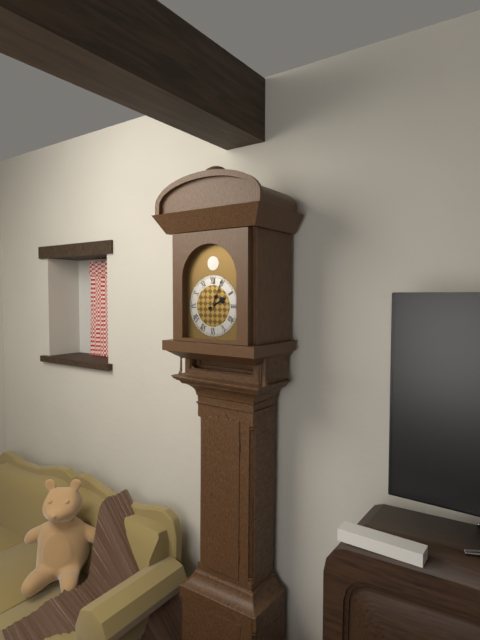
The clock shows h=2 m=4
